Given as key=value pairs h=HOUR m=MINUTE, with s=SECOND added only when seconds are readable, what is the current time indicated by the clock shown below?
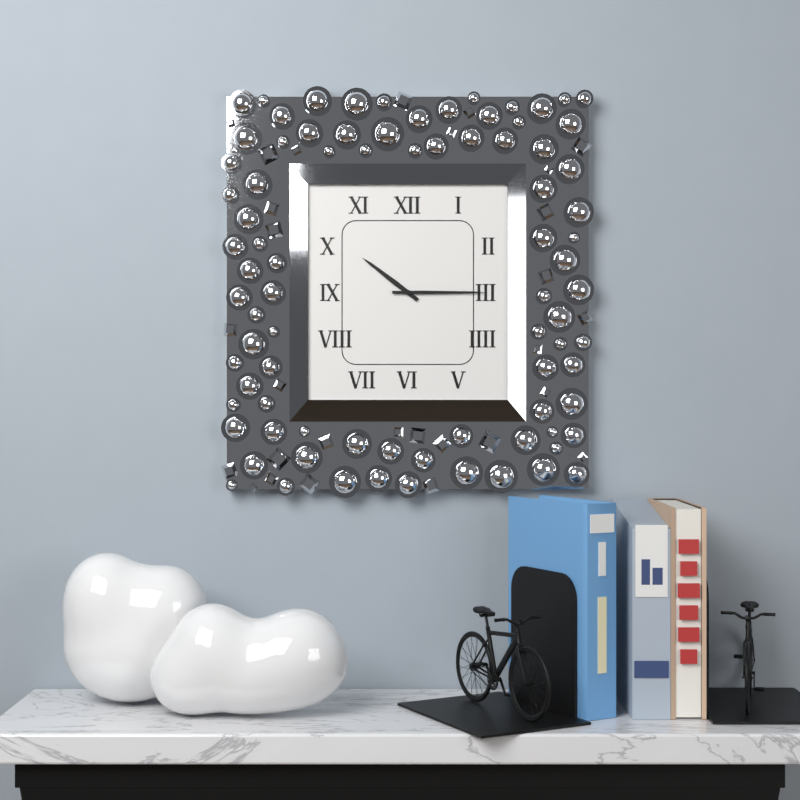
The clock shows h=10 m=15
